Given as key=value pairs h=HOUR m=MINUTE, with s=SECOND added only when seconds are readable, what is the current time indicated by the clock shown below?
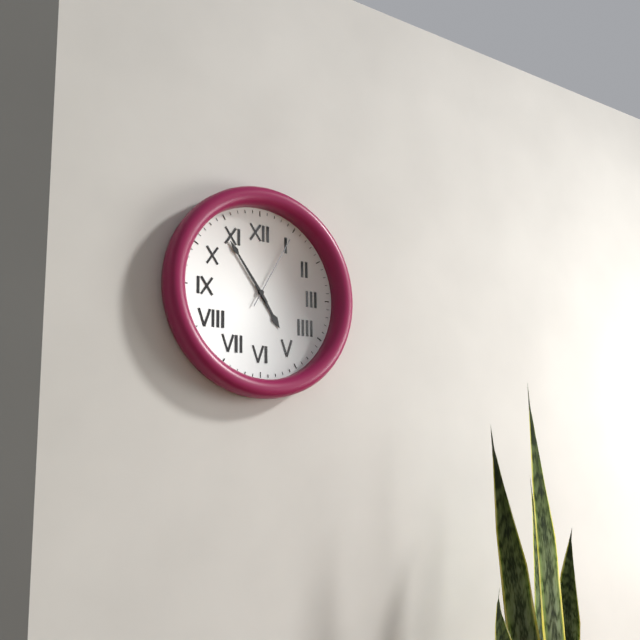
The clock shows h=4 m=54 s=5
